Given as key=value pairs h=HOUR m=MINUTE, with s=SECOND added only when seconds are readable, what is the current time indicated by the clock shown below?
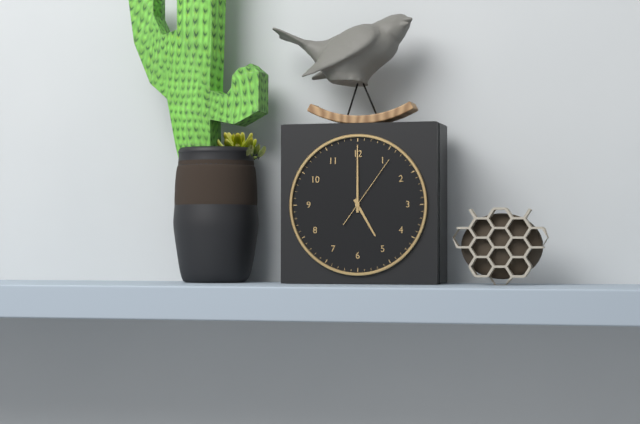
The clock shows h=5 m=0 s=6
